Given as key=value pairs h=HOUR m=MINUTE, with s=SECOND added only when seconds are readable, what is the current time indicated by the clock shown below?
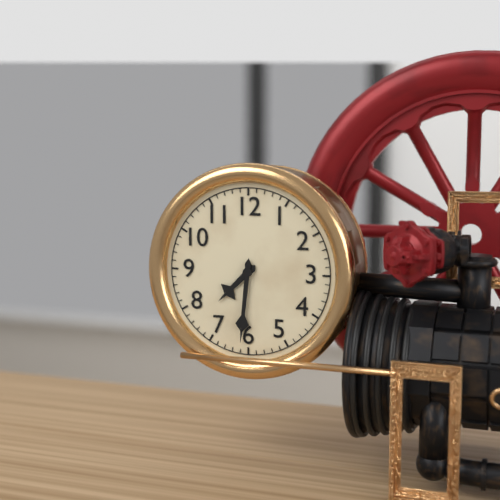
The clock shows h=7 m=31
